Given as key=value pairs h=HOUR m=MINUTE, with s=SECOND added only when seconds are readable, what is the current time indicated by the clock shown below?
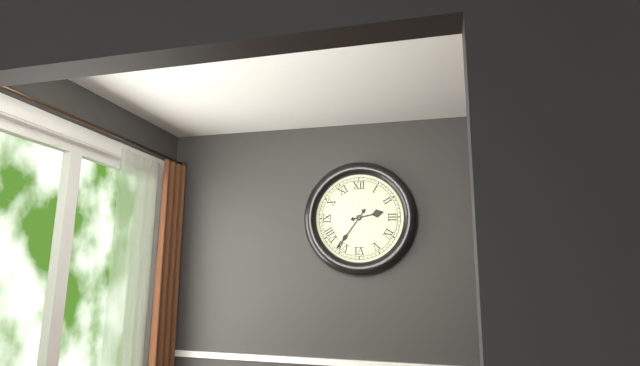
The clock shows h=2 m=36
